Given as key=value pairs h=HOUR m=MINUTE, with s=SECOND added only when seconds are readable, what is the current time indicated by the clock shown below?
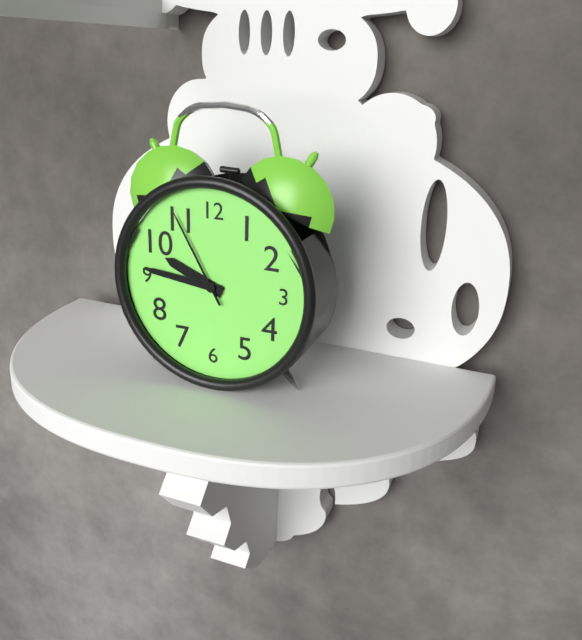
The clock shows h=9 m=46 s=55
